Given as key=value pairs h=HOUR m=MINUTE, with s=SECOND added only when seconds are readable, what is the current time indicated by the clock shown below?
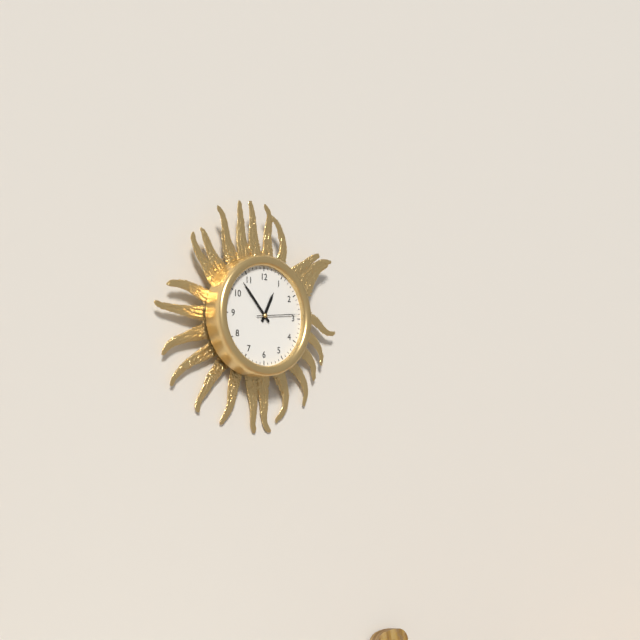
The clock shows h=12 m=53
